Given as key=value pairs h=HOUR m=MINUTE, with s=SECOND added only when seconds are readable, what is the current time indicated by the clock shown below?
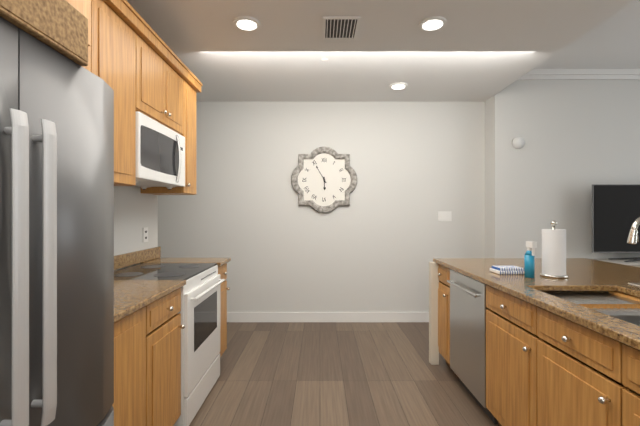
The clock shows h=5 m=55
